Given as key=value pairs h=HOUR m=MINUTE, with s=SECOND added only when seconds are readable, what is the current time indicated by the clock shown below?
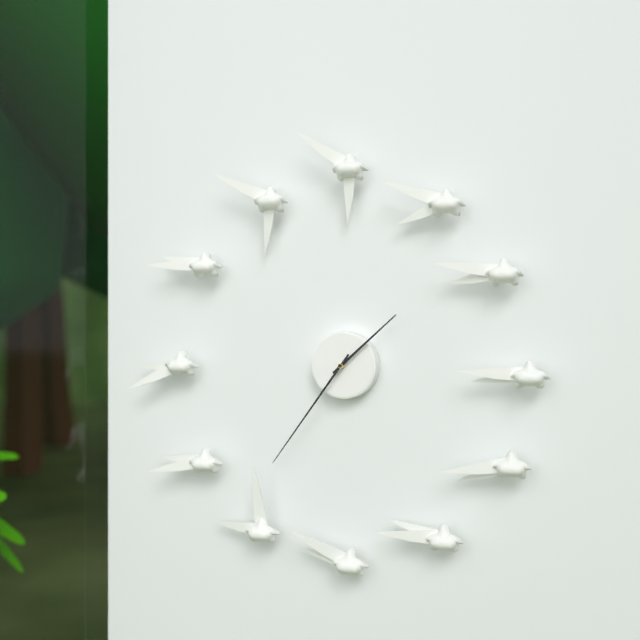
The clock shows h=1 m=36
